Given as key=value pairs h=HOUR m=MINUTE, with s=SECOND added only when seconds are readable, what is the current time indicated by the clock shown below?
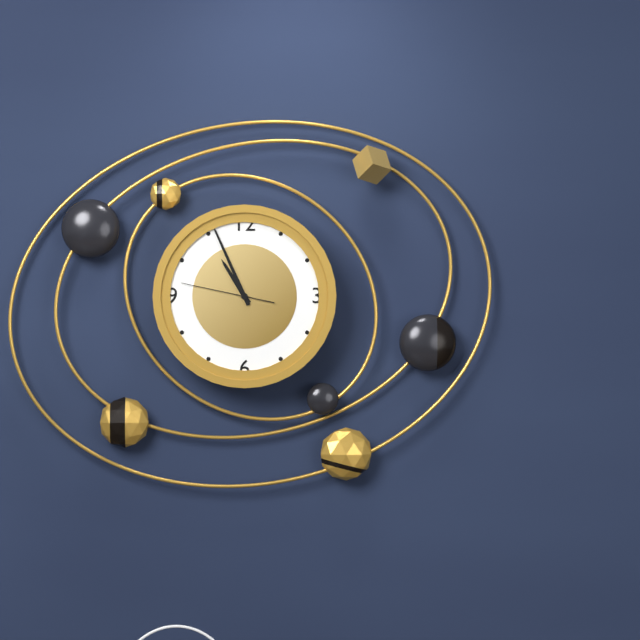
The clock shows h=10 m=56 s=47
